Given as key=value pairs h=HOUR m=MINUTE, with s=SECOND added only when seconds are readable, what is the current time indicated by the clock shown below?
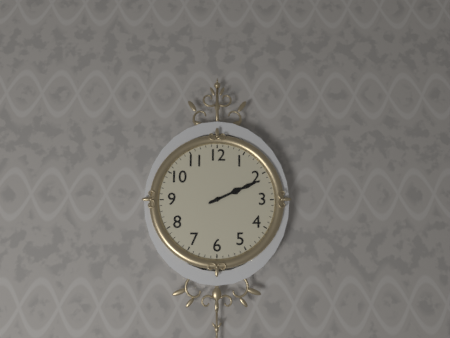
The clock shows h=2 m=11
